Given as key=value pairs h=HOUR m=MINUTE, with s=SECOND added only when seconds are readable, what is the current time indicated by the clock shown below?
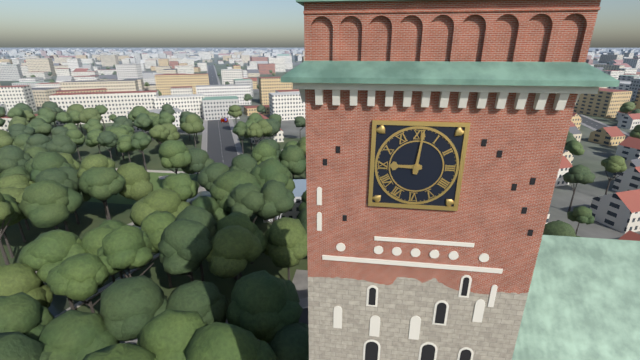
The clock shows h=9 m=1
